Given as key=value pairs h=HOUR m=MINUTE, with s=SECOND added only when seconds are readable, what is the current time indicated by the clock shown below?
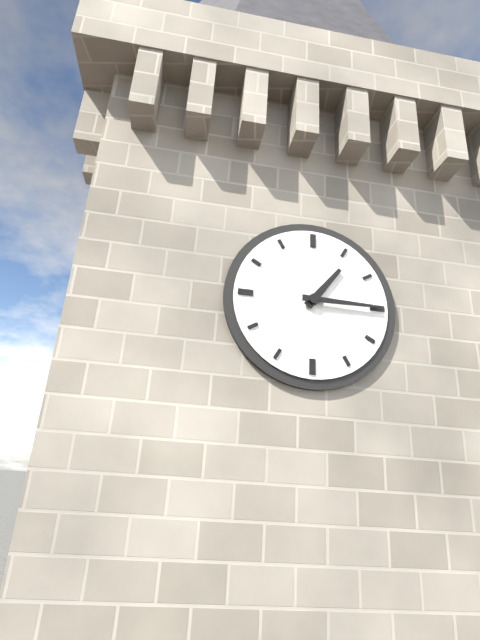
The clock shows h=1 m=15
